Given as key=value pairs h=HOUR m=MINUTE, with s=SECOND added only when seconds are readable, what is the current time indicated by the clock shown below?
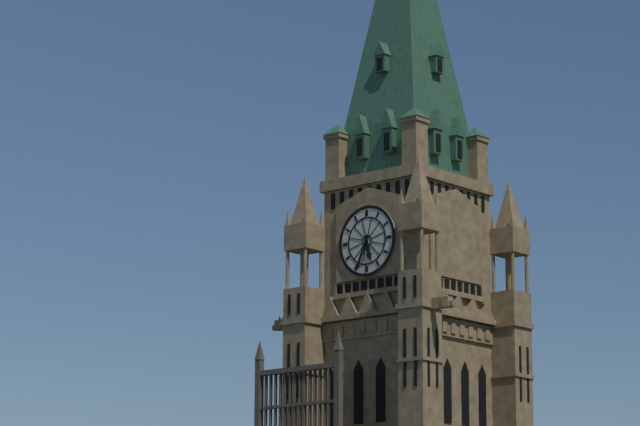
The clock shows h=5 m=34
